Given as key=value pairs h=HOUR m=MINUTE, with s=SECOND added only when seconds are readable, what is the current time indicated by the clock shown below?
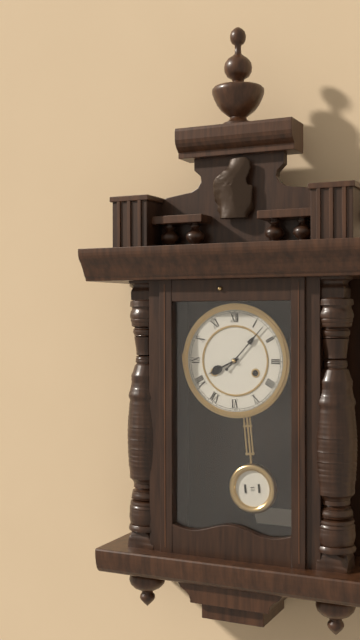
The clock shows h=8 m=7
